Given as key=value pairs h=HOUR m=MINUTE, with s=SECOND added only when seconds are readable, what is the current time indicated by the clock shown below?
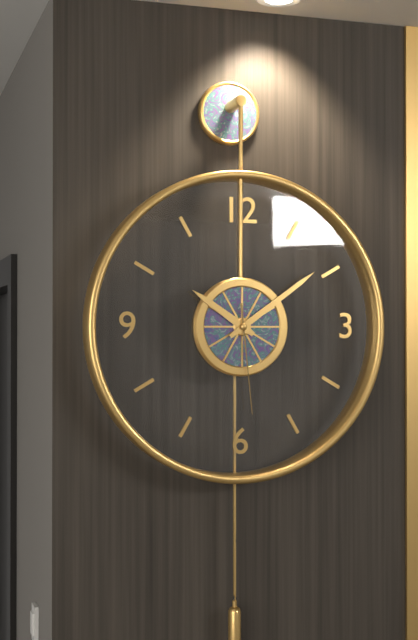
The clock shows h=10 m=9 s=29
